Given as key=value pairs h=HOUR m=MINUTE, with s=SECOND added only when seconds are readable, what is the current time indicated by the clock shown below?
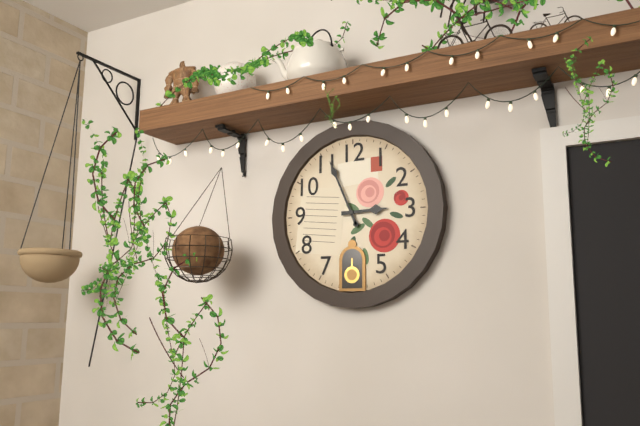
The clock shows h=2 m=56
